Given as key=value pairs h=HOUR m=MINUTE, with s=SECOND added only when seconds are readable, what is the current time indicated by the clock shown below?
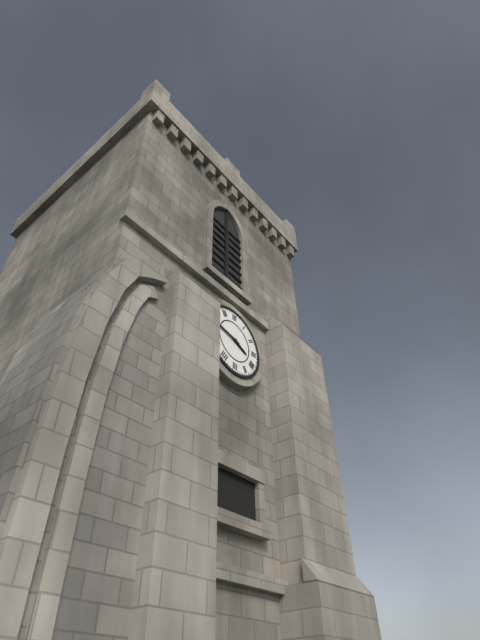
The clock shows h=3 m=47
